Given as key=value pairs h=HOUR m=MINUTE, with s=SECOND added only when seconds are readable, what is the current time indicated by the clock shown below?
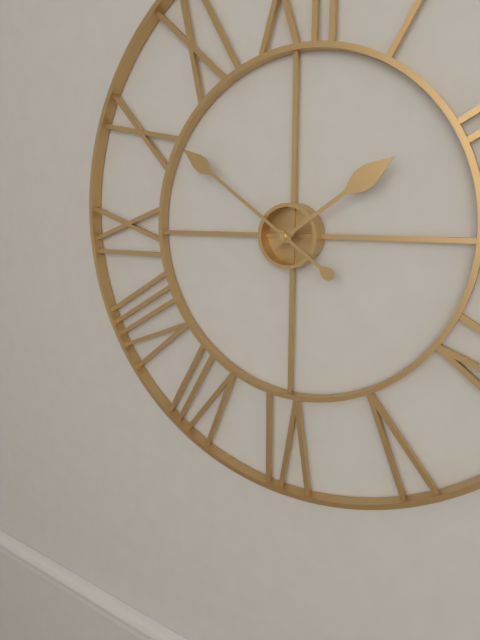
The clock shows h=1 m=51
